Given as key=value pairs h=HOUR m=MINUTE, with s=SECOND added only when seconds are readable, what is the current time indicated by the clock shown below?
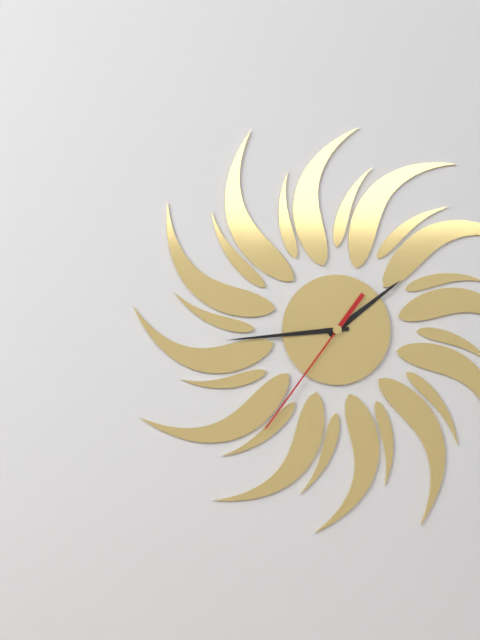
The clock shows h=1 m=44 s=36
